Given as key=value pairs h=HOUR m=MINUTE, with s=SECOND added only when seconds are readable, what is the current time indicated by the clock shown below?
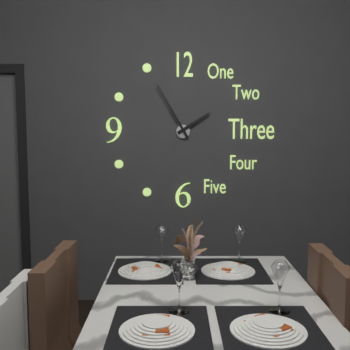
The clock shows h=1 m=55
